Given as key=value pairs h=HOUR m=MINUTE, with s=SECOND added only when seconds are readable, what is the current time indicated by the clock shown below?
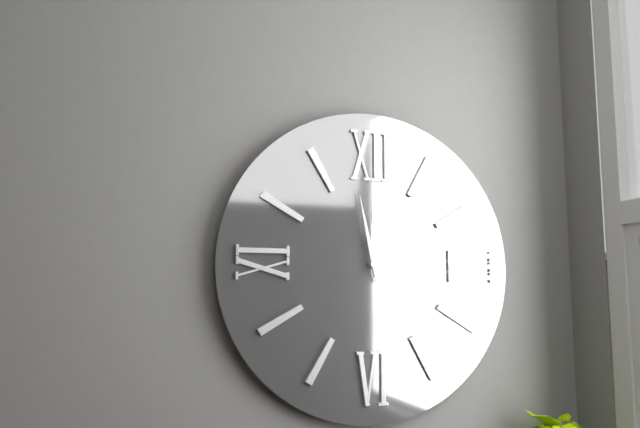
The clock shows h=11 m=58
